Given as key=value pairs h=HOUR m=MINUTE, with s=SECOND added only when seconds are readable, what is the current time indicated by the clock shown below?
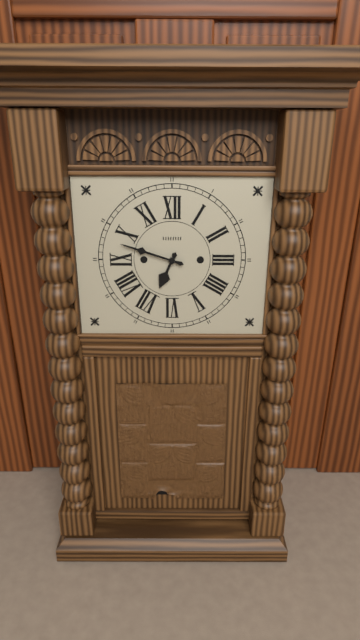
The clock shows h=6 m=48
